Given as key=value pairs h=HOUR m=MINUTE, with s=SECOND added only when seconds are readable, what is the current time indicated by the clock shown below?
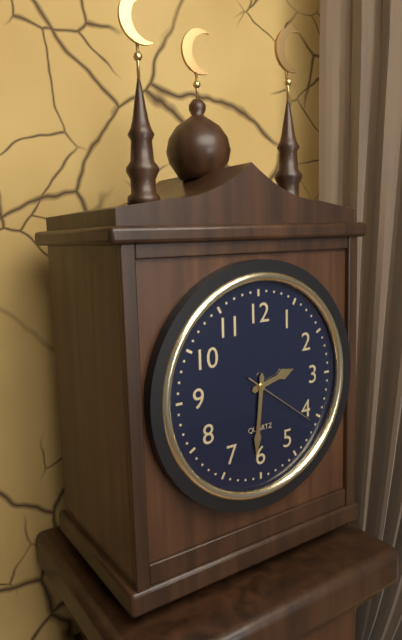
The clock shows h=2 m=31 s=21
